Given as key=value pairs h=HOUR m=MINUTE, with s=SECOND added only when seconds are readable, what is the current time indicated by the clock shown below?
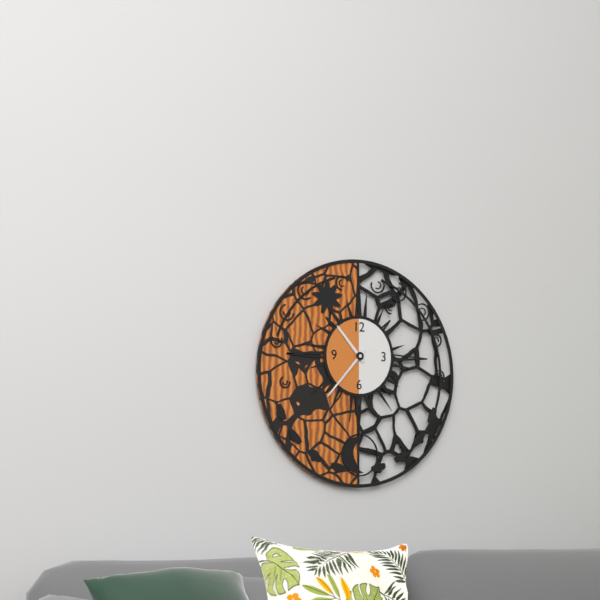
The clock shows h=10 m=37
